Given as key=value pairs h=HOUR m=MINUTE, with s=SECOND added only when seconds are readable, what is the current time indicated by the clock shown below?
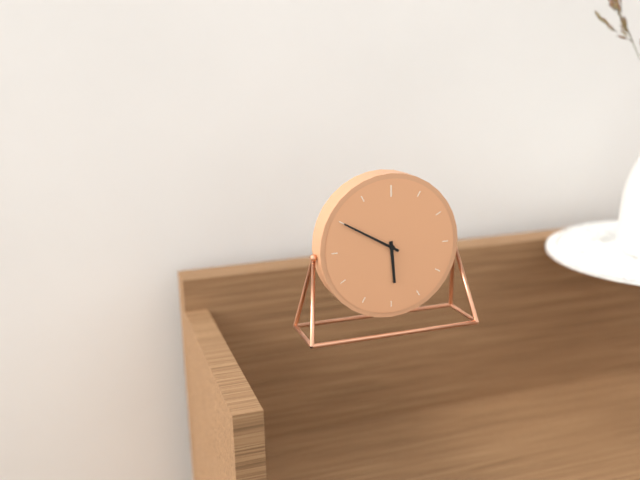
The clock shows h=5 m=50
